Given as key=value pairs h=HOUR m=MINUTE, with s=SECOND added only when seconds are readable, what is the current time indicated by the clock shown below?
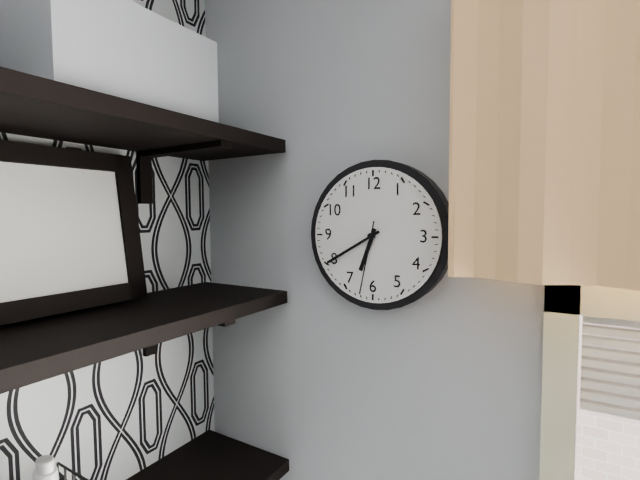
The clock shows h=6 m=40 s=32
